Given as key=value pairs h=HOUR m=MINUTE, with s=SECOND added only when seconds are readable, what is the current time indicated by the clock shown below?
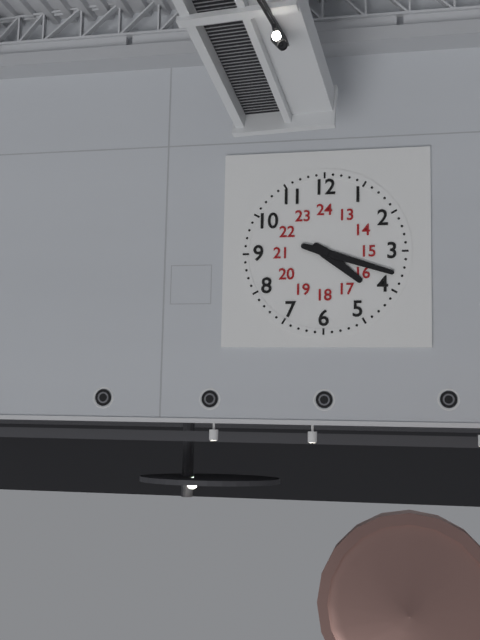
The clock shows h=4 m=18
